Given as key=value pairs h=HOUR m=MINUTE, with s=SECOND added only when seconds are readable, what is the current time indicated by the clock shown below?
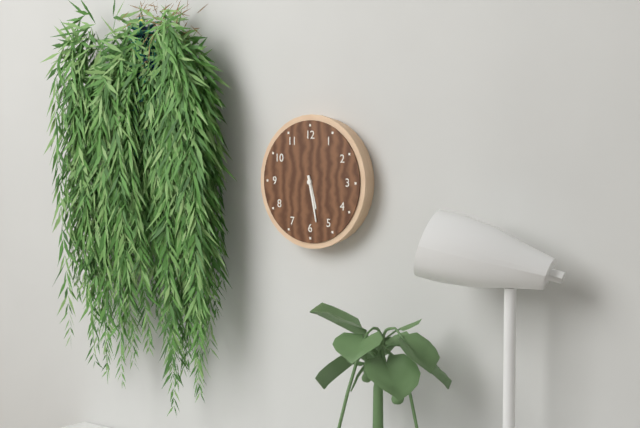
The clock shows h=5 m=28
